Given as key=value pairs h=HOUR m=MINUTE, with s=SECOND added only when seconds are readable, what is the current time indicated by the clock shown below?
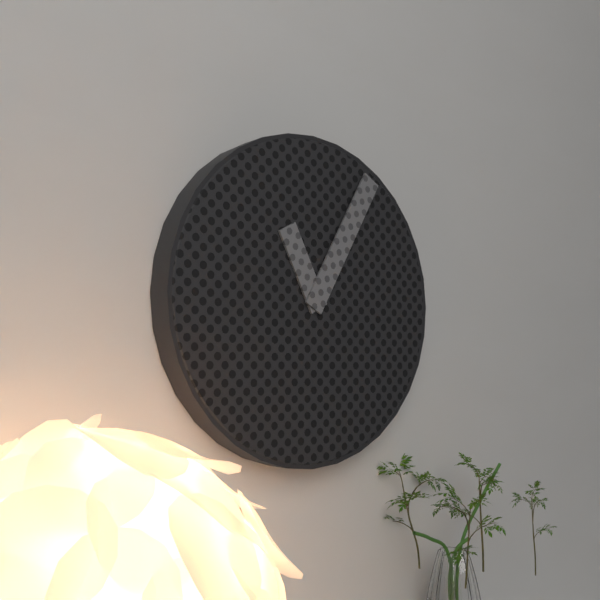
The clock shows h=11 m=5
